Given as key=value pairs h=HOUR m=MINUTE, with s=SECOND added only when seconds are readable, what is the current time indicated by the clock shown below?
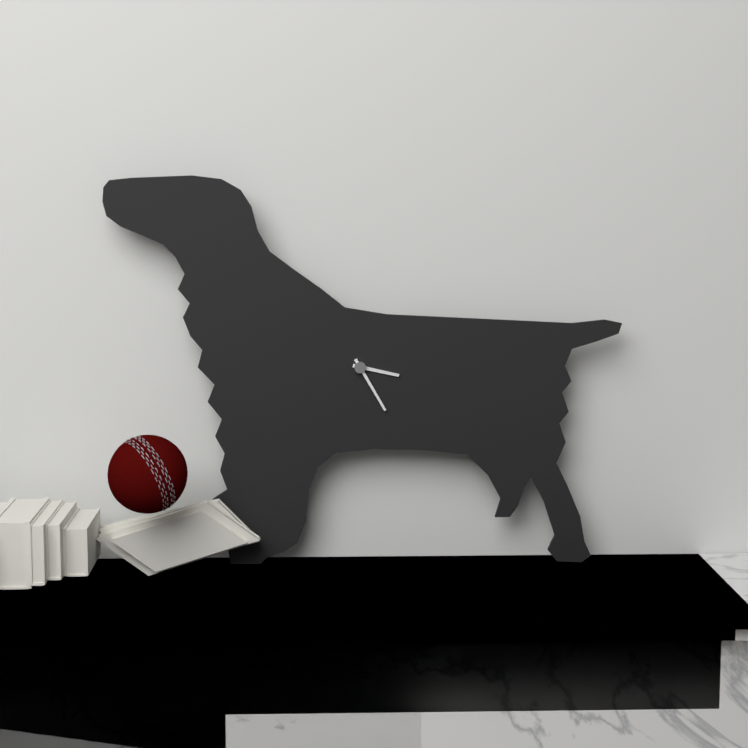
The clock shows h=3 m=25
